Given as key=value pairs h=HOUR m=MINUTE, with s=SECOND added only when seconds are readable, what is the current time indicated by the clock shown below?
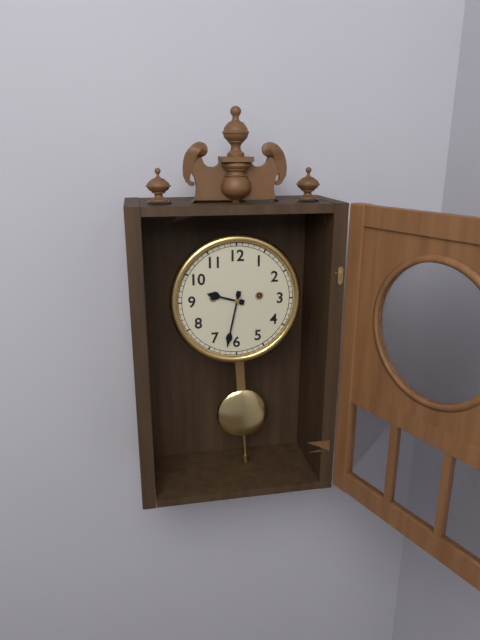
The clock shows h=9 m=32
